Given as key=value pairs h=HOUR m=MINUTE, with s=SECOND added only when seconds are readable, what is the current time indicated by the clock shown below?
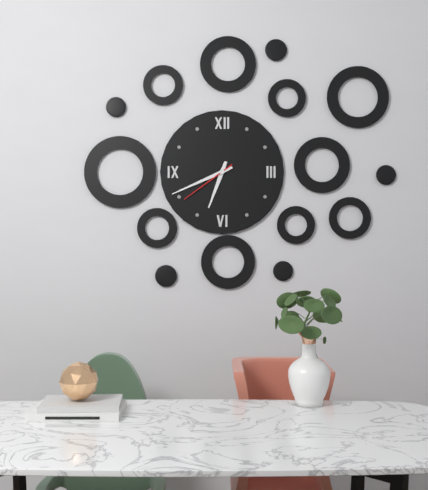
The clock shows h=6 m=41 s=39
